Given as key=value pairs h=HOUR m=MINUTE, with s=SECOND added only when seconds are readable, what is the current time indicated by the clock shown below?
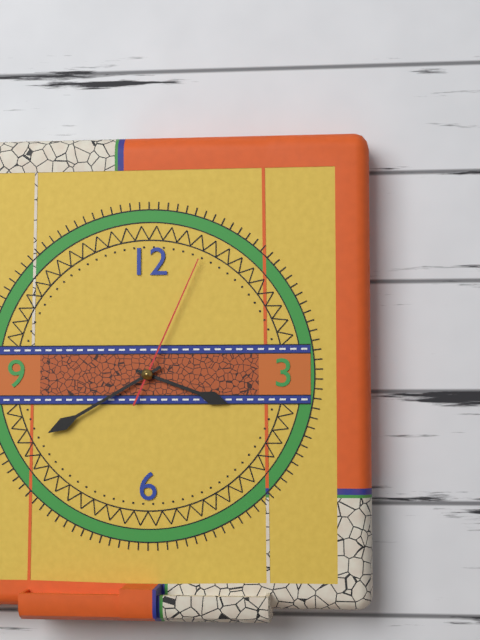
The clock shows h=3 m=40 s=4
